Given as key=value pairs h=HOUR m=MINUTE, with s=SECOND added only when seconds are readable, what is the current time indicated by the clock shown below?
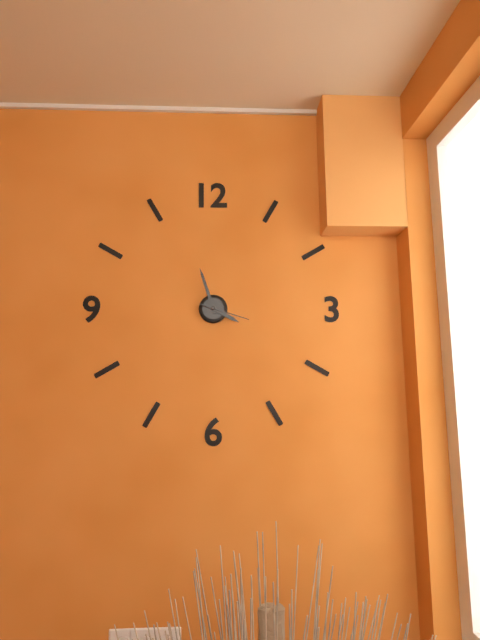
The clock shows h=3 m=57
